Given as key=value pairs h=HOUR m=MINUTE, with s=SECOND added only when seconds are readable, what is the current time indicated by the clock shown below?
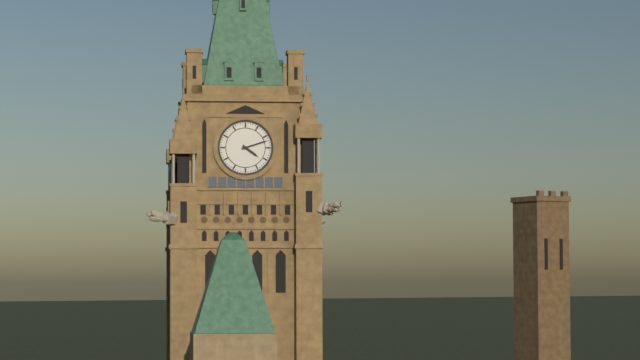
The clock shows h=4 m=12
